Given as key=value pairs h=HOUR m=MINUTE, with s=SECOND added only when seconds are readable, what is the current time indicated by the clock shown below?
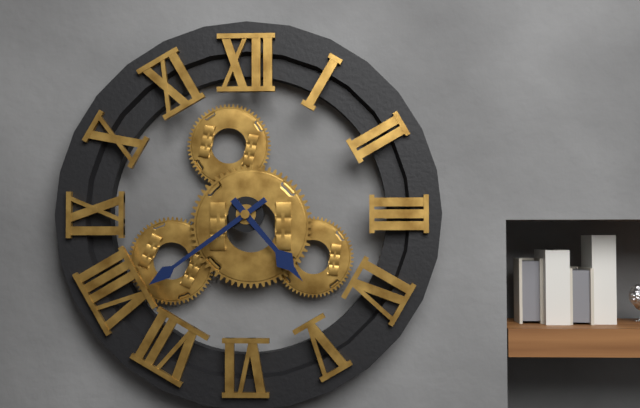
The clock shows h=4 m=39
